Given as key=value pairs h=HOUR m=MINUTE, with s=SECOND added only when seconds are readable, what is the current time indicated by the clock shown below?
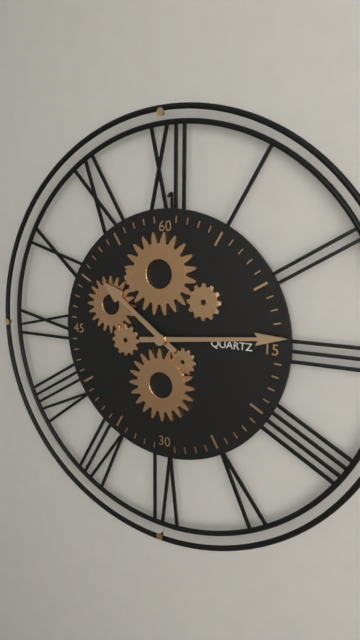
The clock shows h=10 m=14
